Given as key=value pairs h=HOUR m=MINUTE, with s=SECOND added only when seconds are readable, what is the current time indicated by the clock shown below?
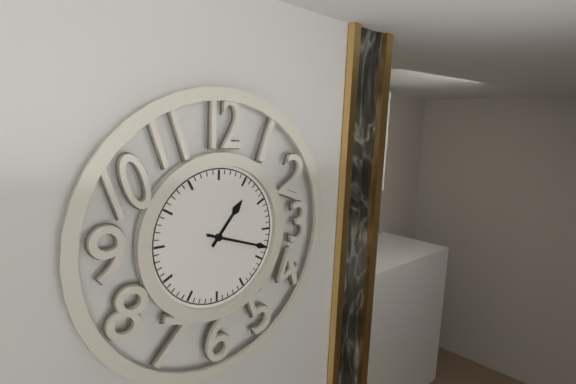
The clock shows h=1 m=18
